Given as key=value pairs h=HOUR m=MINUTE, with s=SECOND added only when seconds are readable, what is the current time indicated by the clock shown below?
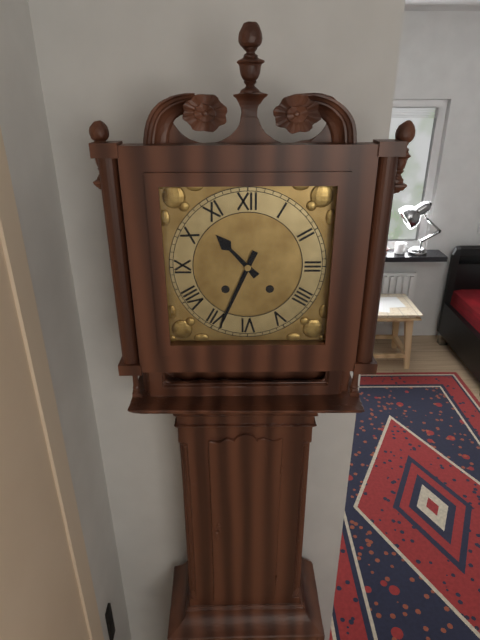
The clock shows h=10 m=34
